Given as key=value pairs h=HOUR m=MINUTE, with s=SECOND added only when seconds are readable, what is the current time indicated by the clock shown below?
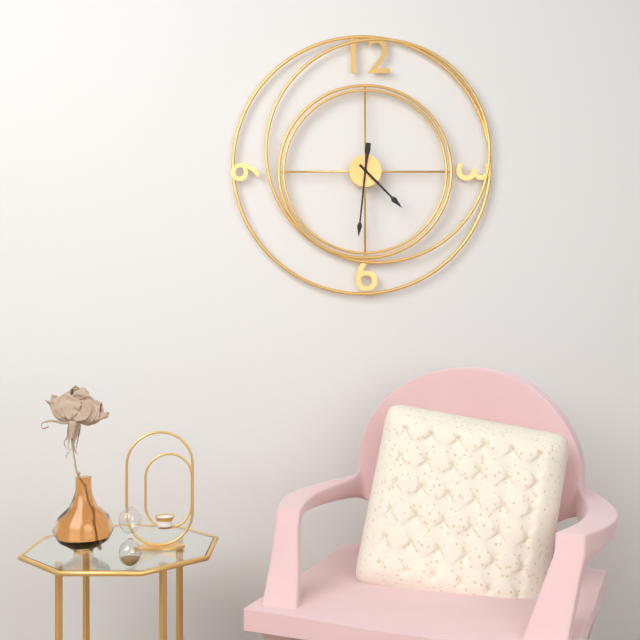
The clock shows h=4 m=31
